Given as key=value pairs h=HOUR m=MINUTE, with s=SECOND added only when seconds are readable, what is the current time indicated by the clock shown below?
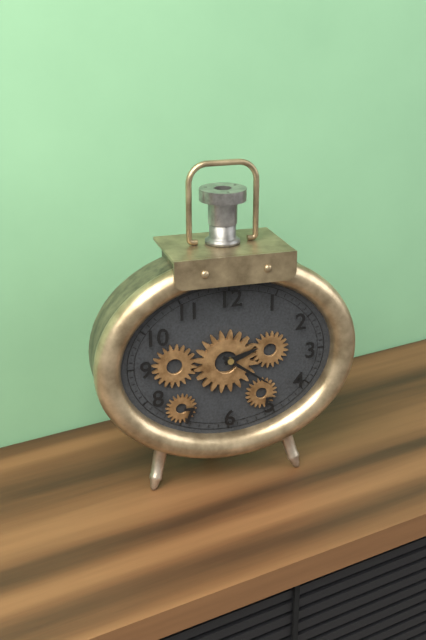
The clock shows h=2 m=21
